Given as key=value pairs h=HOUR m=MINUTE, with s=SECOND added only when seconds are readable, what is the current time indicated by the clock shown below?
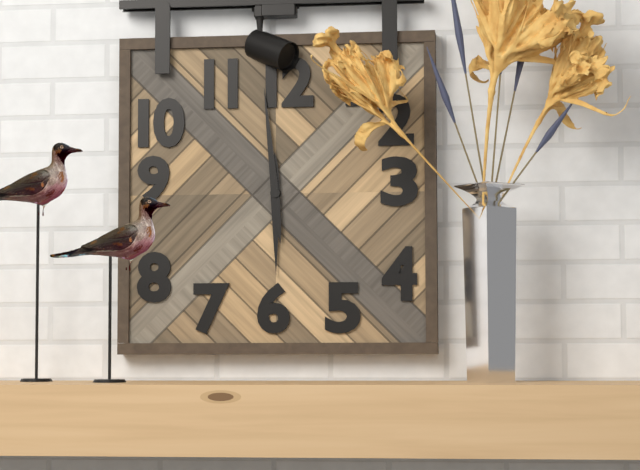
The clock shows h=5 m=59
